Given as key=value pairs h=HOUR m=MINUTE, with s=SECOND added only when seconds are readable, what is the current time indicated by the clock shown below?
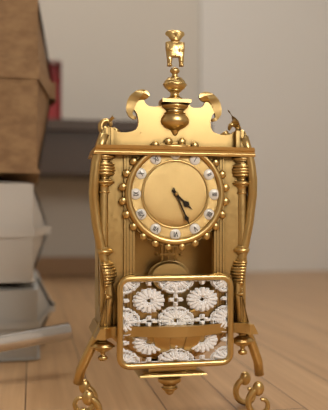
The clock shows h=4 m=26
